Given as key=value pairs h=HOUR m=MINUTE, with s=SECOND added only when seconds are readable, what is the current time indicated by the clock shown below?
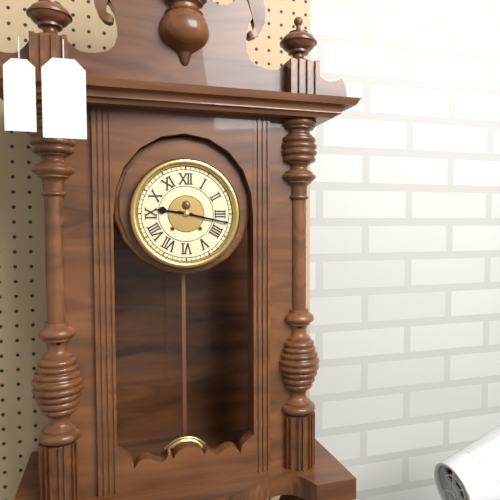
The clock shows h=9 m=17
